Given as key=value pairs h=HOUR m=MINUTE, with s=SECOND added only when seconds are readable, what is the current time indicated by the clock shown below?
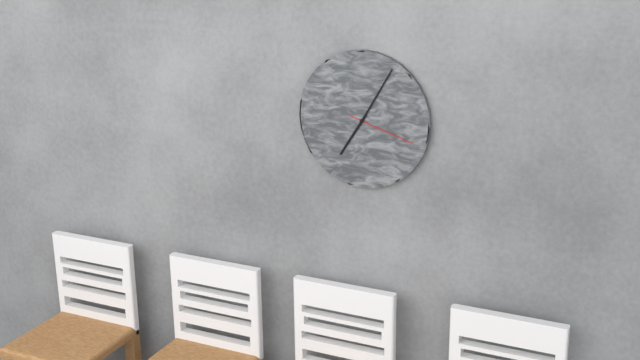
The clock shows h=7 m=5 s=18
